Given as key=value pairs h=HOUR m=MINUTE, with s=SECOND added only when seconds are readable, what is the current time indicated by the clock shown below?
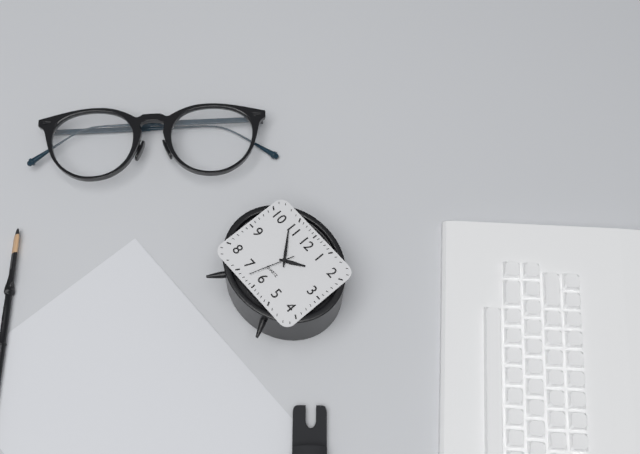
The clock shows h=1 m=53
